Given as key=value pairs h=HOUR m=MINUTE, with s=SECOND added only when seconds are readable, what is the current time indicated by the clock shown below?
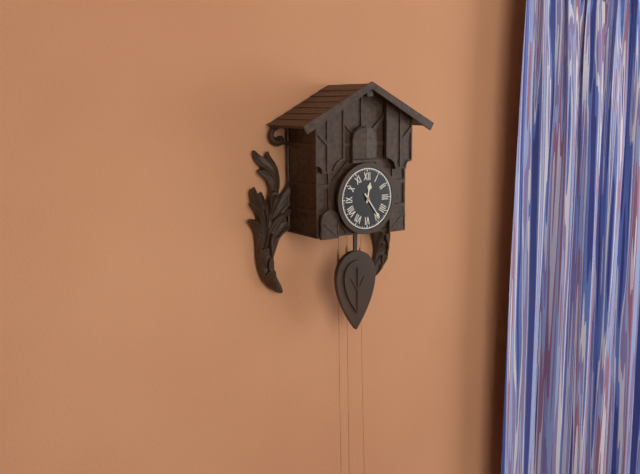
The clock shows h=12 m=24
